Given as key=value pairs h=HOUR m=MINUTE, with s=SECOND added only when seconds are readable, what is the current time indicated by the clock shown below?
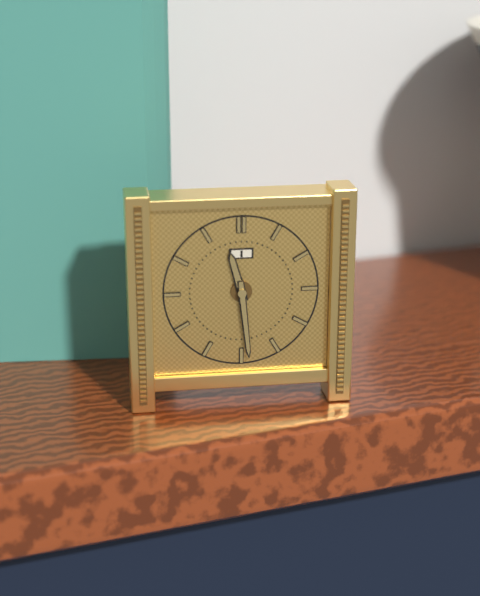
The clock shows h=11 m=29
